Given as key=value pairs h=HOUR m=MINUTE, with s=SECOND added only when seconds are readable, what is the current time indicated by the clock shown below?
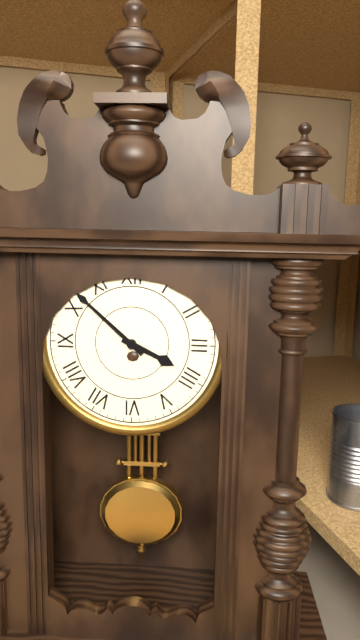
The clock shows h=3 m=52
